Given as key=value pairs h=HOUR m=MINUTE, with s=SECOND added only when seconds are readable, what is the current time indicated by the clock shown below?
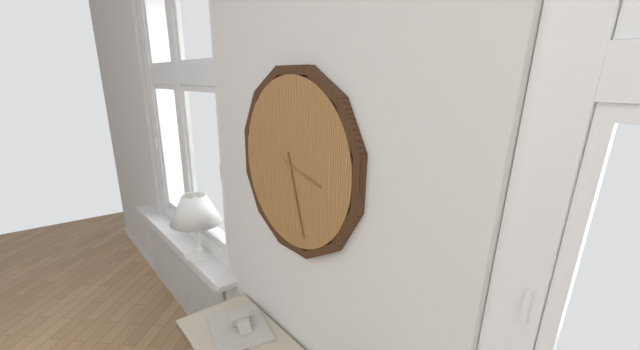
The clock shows h=3 m=27
